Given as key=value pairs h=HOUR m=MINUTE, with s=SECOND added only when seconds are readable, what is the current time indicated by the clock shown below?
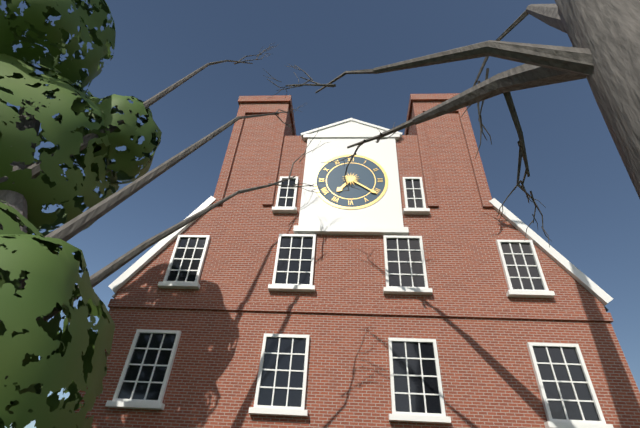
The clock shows h=7 m=21
